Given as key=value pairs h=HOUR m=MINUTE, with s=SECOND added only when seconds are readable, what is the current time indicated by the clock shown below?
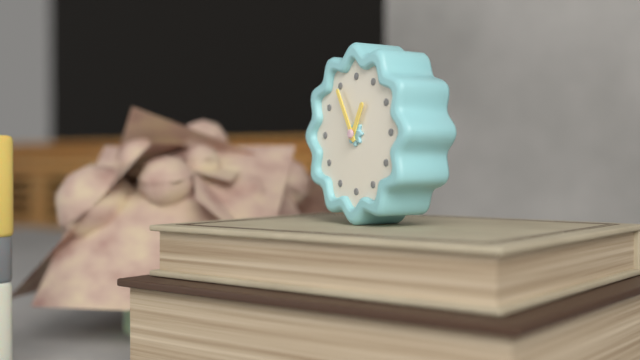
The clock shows h=12 m=55
